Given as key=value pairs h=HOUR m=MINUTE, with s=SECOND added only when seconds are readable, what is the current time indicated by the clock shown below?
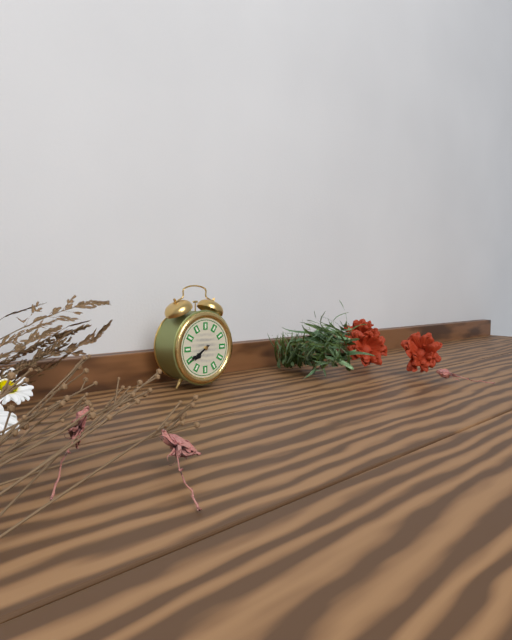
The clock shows h=7 m=40
